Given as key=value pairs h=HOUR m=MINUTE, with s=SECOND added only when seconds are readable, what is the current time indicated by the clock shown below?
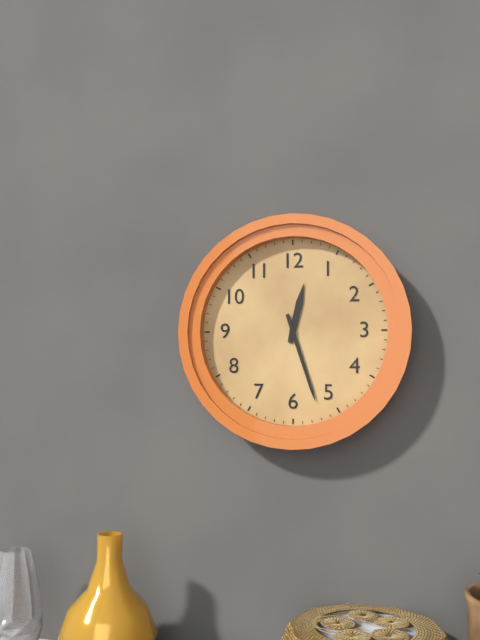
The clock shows h=12 m=27
